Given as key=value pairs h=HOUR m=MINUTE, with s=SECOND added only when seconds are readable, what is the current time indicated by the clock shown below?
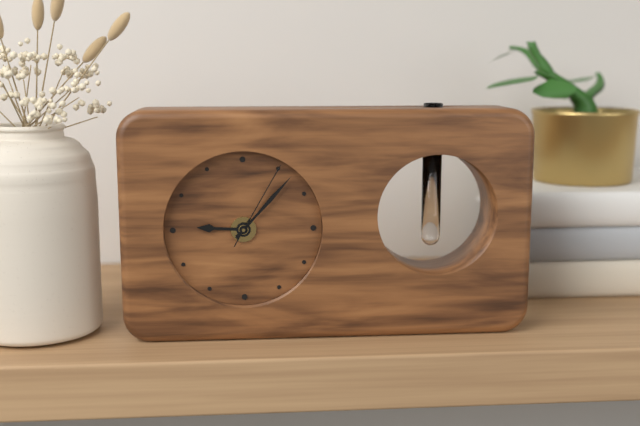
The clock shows h=9 m=7 s=5
